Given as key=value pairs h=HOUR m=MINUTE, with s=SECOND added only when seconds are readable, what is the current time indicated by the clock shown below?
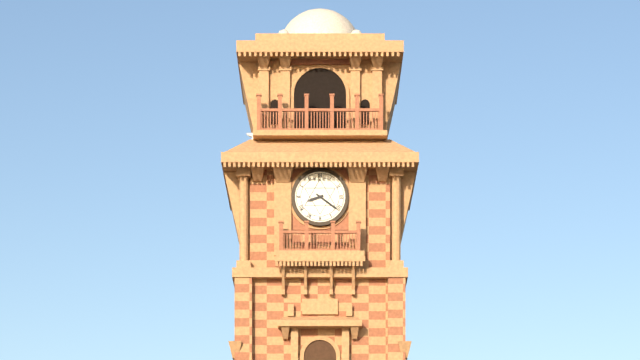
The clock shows h=8 m=21
